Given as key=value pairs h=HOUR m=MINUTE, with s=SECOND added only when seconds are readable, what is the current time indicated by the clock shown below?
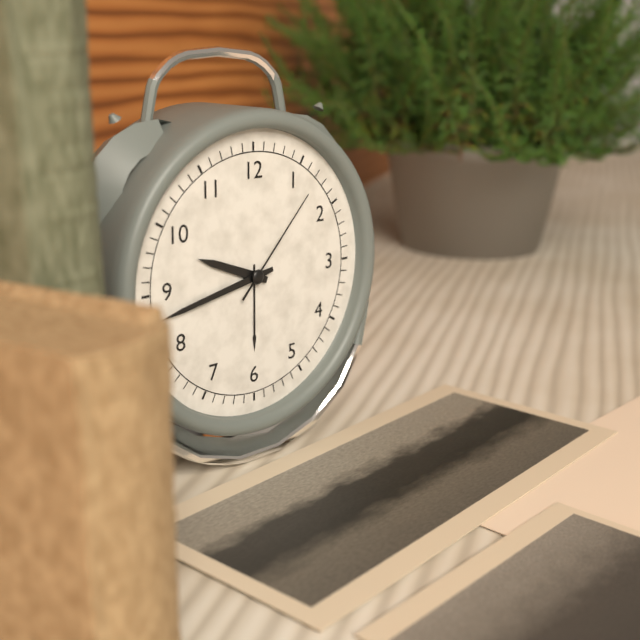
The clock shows h=9 m=43 s=7
